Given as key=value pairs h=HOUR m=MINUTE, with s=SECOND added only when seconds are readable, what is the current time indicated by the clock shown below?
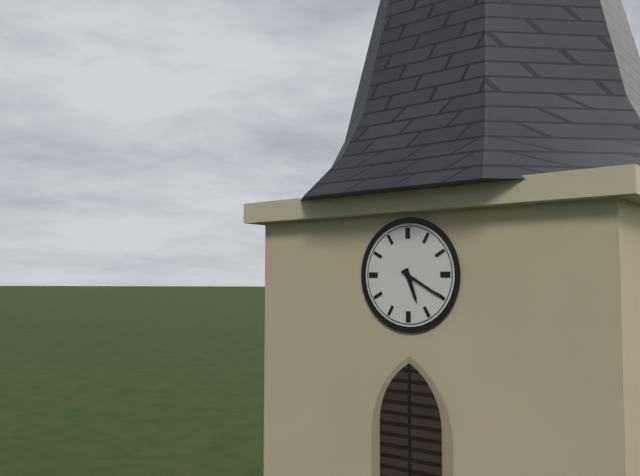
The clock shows h=5 m=20
